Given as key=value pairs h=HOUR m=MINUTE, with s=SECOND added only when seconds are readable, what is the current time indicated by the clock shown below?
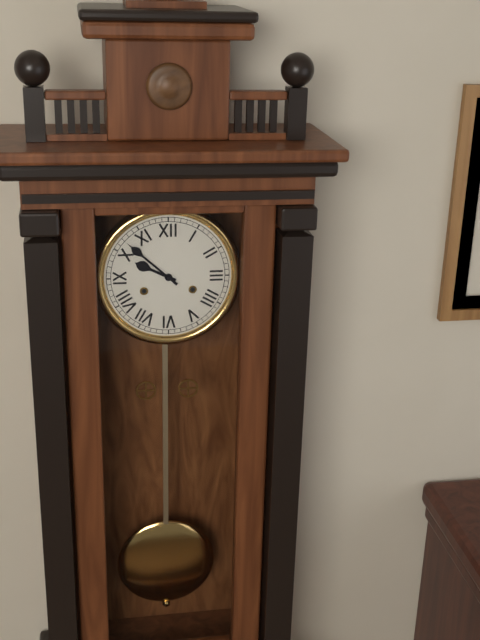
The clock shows h=9 m=52
